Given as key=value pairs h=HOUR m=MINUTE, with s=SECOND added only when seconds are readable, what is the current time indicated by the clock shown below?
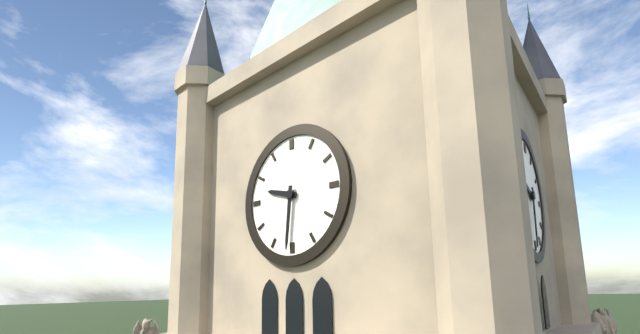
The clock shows h=9 m=31
